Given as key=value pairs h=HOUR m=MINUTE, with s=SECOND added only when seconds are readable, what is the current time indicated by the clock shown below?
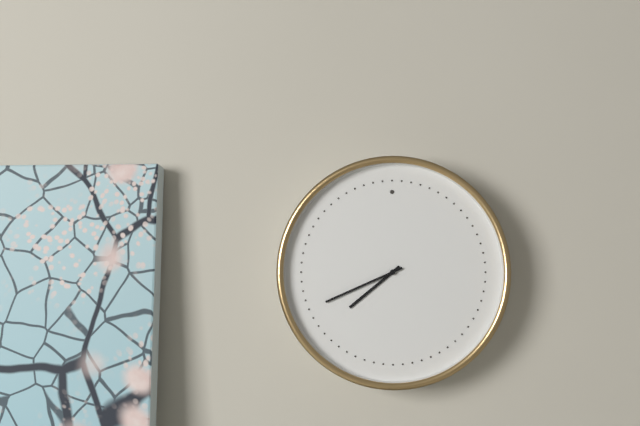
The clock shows h=7 m=41
